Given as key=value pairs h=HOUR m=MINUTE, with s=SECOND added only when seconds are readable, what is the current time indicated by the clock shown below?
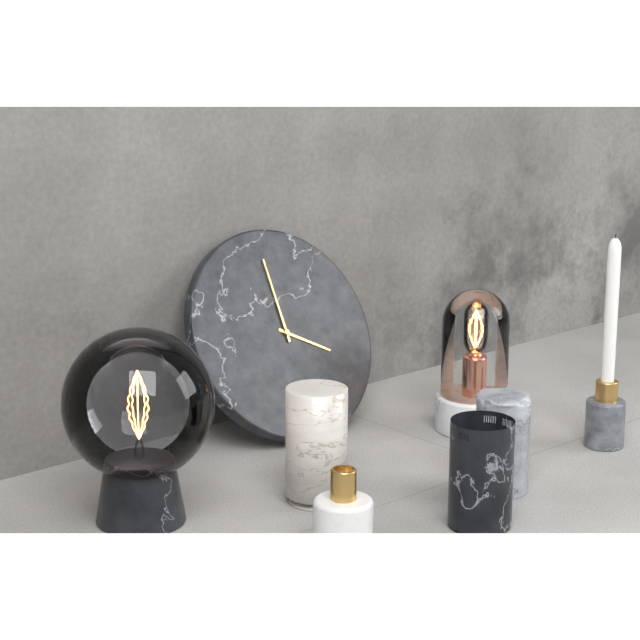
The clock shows h=4 m=0
